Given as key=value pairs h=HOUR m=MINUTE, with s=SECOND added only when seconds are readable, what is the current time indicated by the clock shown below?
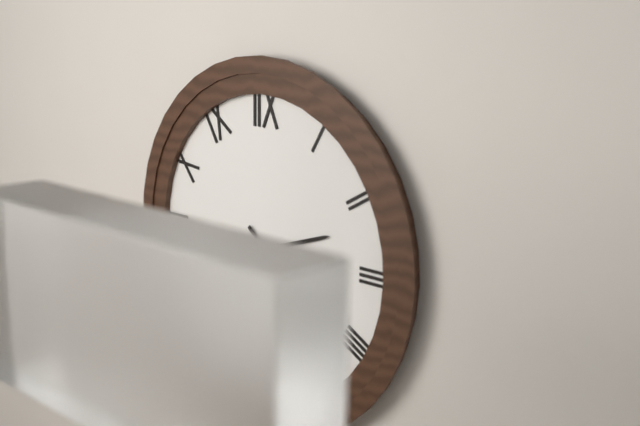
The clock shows h=2 m=22
